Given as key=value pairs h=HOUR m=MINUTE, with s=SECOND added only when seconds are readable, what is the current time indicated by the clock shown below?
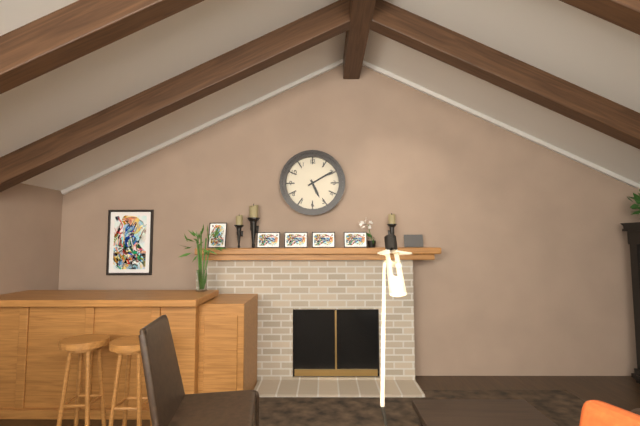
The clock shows h=5 m=10
